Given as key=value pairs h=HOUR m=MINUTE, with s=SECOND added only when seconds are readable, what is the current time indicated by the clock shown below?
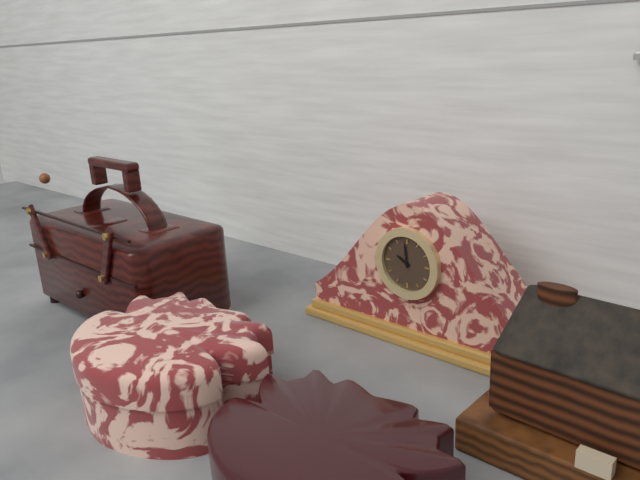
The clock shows h=9 m=59
